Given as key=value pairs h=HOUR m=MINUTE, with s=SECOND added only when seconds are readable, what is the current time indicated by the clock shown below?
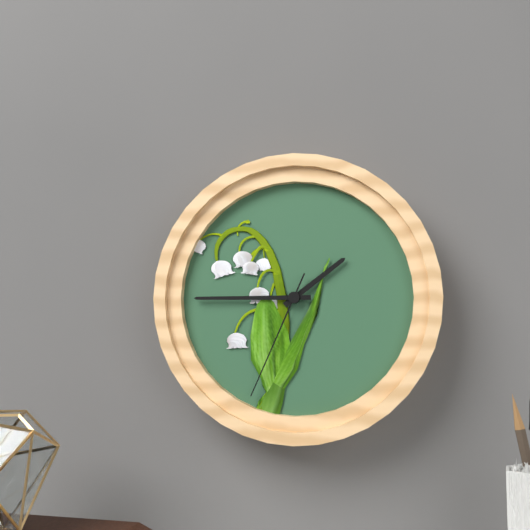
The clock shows h=1 m=45 s=34
